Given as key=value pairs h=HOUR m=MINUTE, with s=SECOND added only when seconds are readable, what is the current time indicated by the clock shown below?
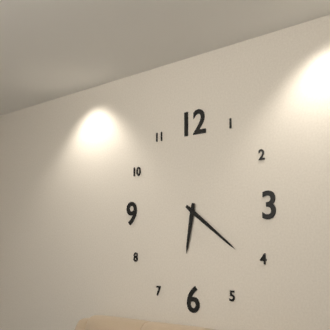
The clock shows h=6 m=21
